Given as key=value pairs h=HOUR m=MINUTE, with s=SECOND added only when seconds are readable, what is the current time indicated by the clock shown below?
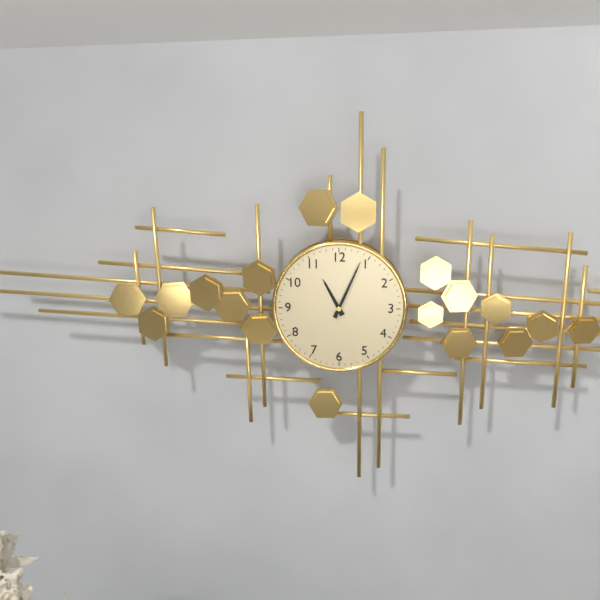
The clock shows h=11 m=4
